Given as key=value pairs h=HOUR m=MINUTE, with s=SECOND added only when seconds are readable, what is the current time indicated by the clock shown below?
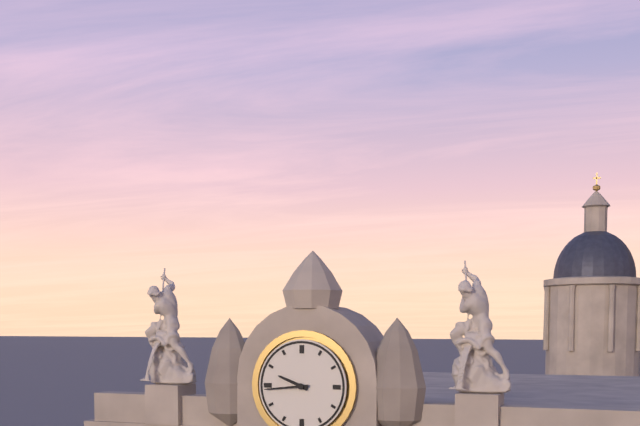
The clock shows h=9 m=44
